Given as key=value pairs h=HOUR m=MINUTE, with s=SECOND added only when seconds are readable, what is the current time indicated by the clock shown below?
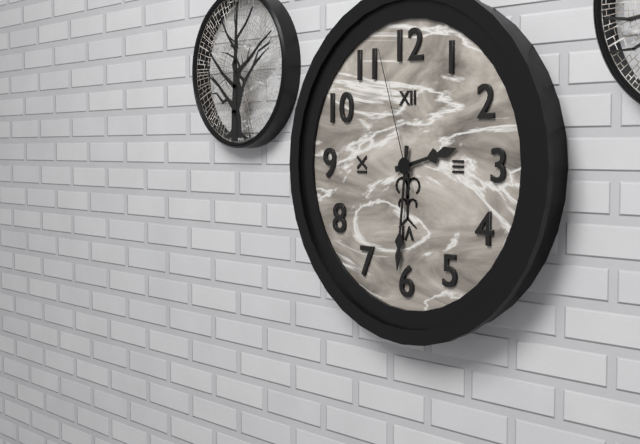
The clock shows h=2 m=31 s=57
